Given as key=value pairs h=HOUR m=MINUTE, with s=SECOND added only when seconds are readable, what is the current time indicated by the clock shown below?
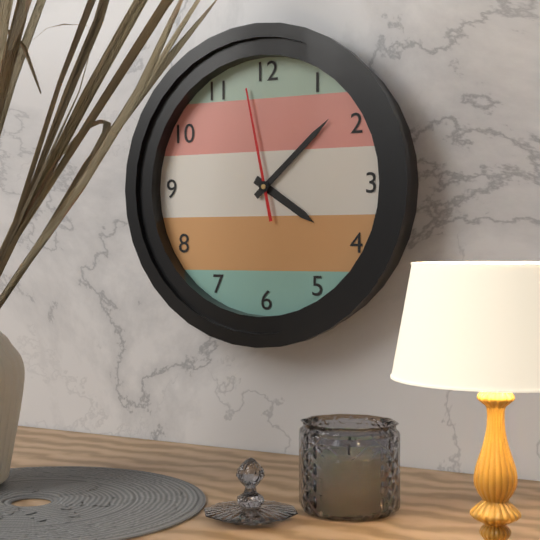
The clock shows h=4 m=8 s=58
